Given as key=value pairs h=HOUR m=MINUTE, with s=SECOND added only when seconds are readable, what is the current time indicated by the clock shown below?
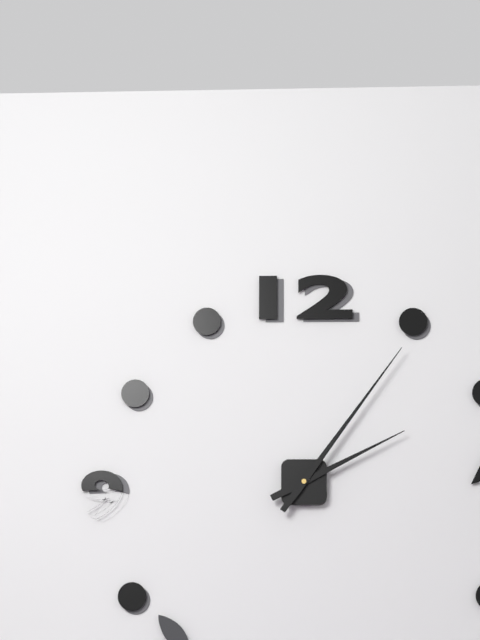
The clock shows h=2 m=6
